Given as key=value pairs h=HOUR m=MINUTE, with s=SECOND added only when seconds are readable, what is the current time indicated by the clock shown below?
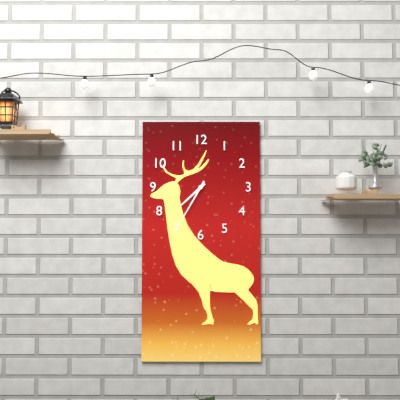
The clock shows h=7 m=35
